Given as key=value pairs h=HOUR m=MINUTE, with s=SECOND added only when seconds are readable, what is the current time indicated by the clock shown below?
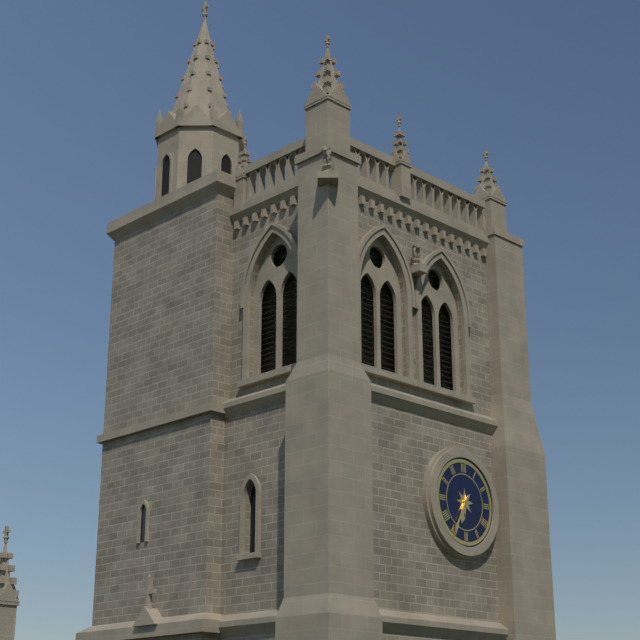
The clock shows h=6 m=35
